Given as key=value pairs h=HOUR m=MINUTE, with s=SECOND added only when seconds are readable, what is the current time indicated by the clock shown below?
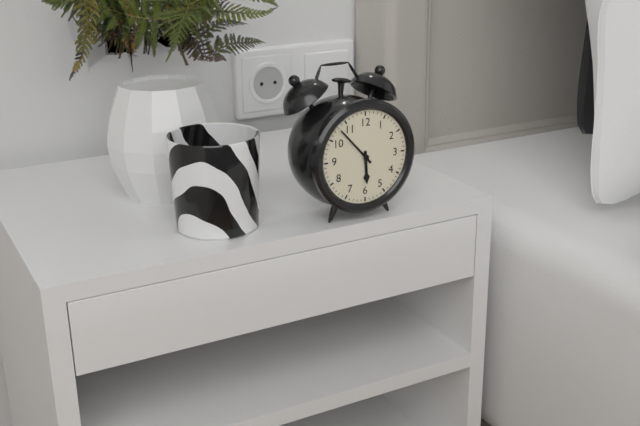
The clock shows h=5 m=53
